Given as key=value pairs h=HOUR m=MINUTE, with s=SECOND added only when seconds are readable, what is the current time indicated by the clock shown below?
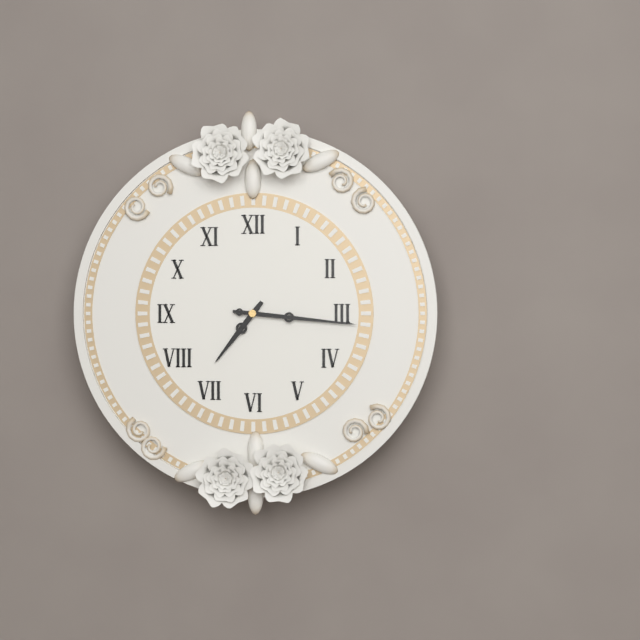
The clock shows h=7 m=16
